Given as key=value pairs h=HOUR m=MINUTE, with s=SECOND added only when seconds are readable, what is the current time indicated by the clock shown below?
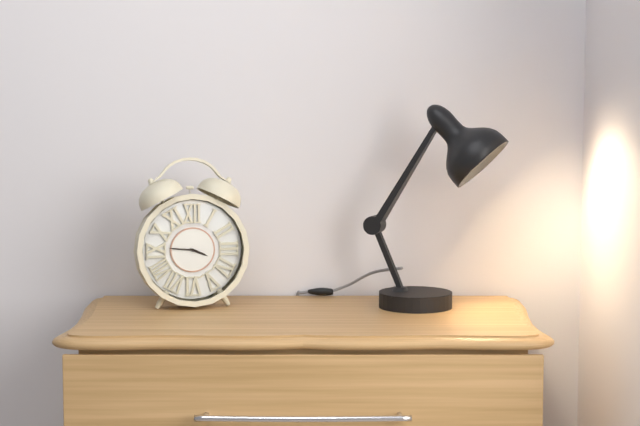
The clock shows h=3 m=46
